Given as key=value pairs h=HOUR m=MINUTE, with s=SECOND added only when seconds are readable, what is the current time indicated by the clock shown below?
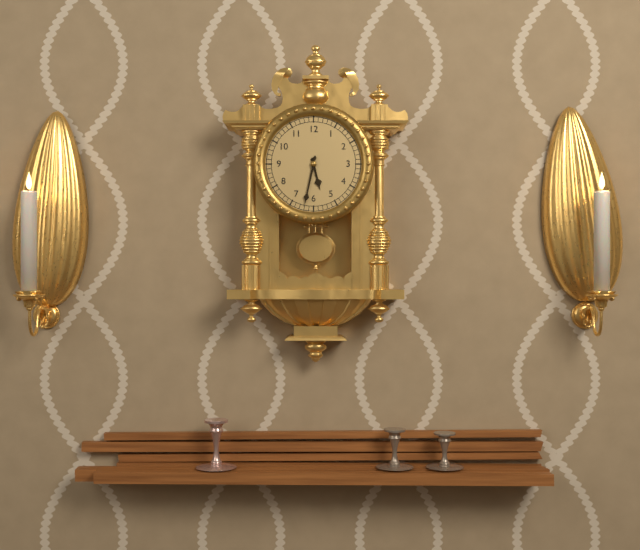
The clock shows h=5 m=32
